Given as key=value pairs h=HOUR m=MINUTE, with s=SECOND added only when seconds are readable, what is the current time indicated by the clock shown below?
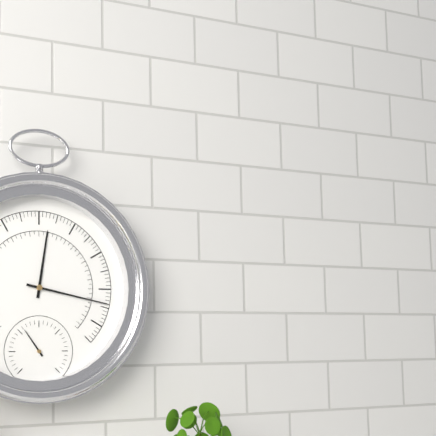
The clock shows h=12 m=17
